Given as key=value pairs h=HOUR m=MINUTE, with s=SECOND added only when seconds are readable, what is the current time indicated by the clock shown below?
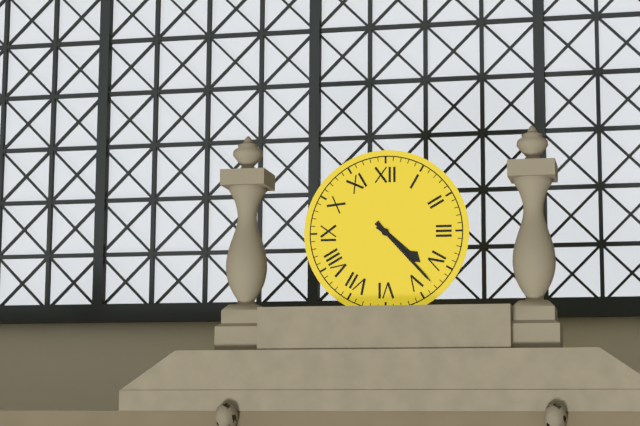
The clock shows h=4 m=23
